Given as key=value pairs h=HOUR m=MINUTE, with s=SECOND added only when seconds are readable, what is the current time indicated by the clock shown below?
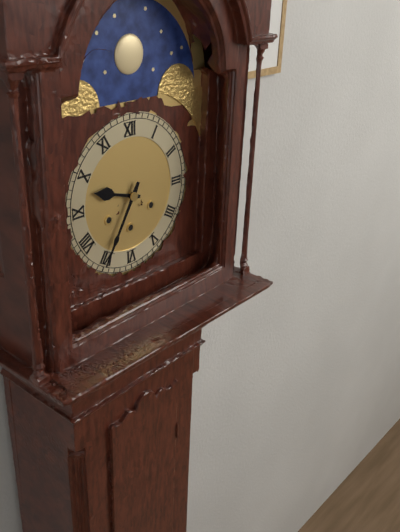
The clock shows h=9 m=35
